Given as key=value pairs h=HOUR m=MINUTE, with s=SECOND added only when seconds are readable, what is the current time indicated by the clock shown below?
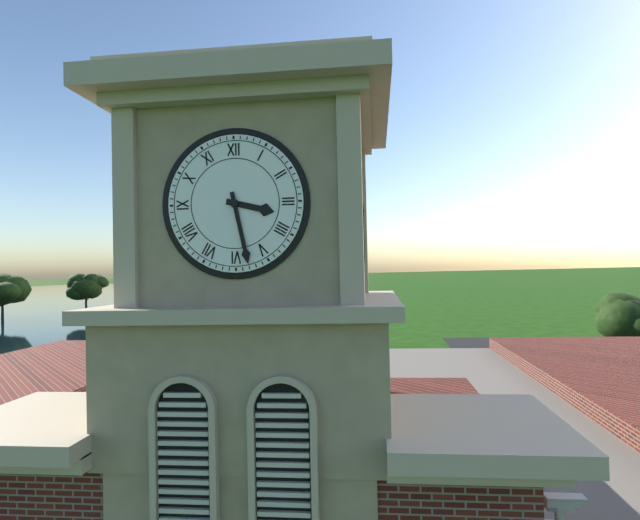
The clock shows h=3 m=28
